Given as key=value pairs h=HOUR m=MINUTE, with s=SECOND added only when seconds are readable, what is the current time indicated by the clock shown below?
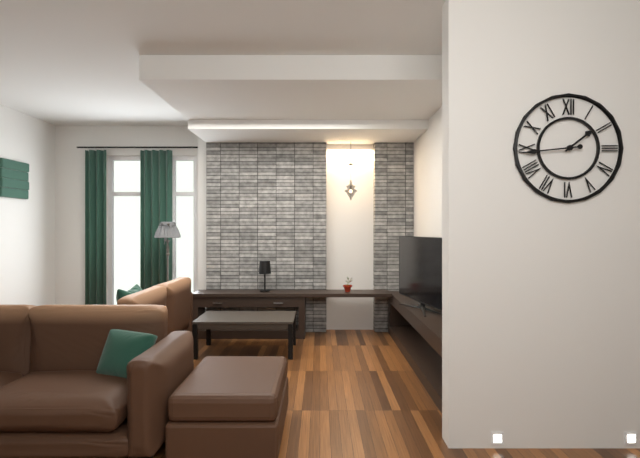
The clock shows h=1 m=44
